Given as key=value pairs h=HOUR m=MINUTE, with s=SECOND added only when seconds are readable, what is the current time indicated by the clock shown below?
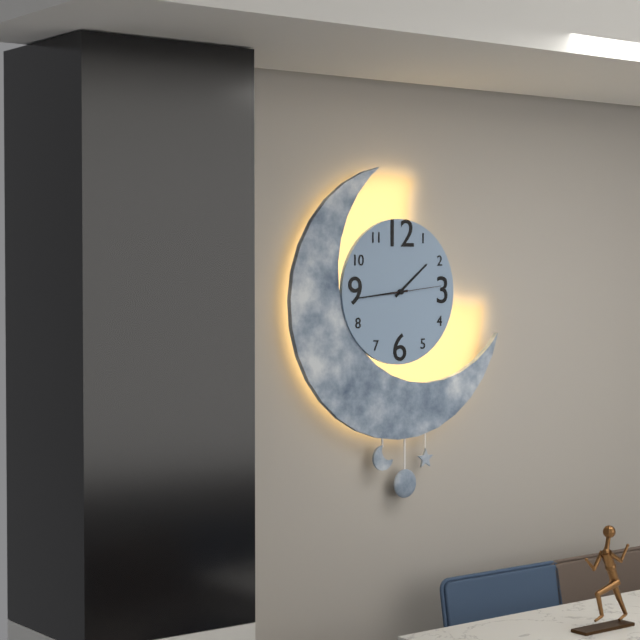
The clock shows h=1 m=44 s=14
